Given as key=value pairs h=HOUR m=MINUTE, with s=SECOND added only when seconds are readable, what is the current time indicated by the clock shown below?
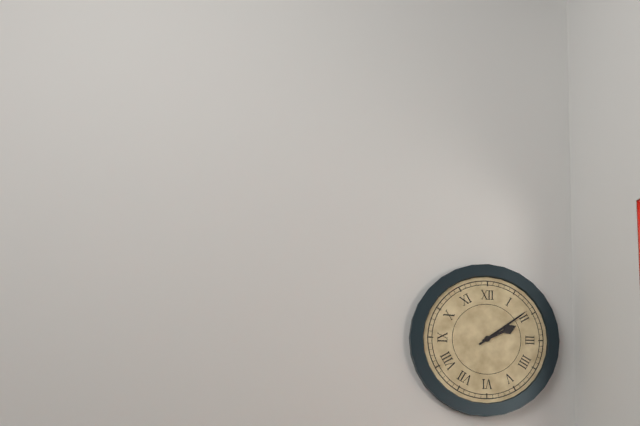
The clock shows h=2 m=9
